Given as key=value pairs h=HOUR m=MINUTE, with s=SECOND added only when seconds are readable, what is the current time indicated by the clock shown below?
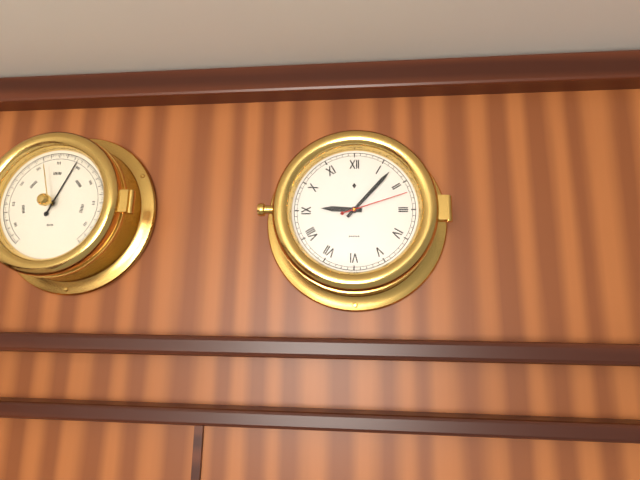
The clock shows h=9 m=7 s=12
